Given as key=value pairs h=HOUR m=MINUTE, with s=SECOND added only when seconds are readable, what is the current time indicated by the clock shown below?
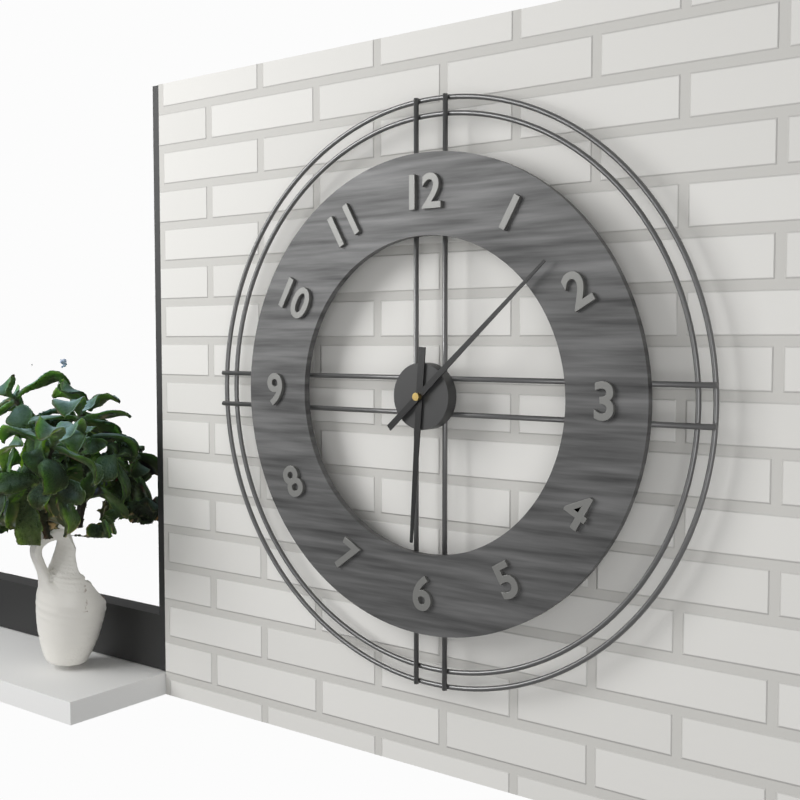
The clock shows h=6 m=8
